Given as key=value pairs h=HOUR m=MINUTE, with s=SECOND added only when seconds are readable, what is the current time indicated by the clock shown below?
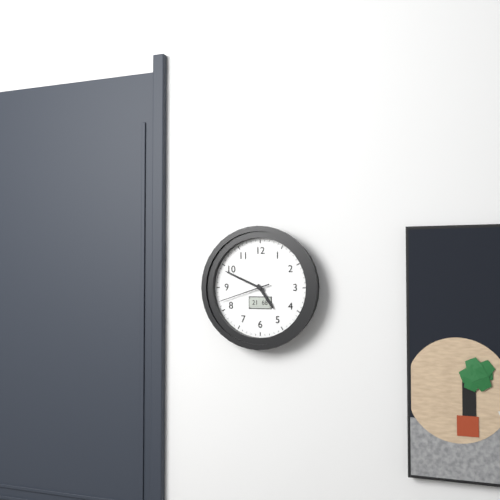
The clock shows h=4 m=49 s=42
